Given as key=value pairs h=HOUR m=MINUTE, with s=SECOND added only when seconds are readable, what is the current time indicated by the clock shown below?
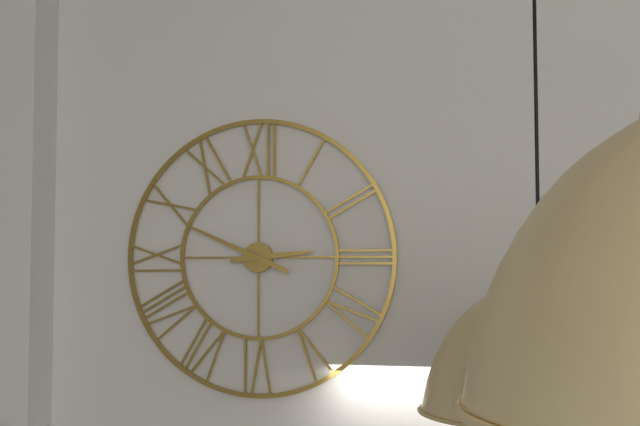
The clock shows h=2 m=49
